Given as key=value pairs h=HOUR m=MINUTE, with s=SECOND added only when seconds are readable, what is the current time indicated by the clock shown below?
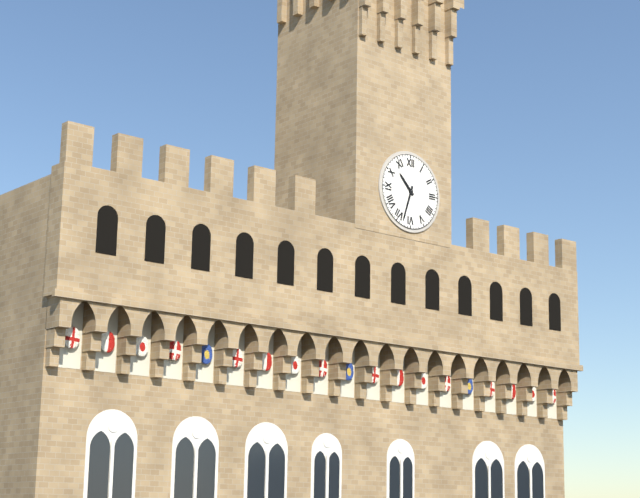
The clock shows h=10 m=33
